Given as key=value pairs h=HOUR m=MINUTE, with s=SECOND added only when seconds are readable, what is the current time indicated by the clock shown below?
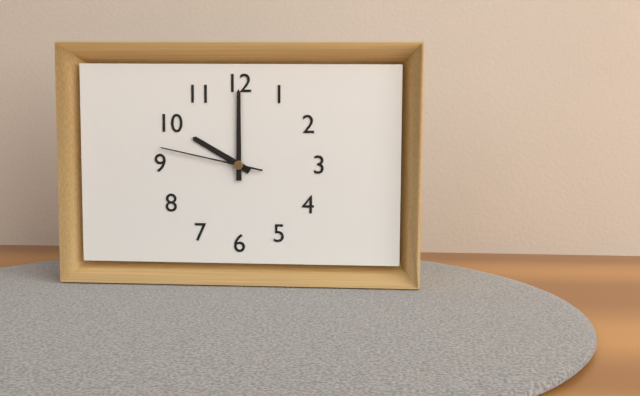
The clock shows h=10 m=0 s=47
